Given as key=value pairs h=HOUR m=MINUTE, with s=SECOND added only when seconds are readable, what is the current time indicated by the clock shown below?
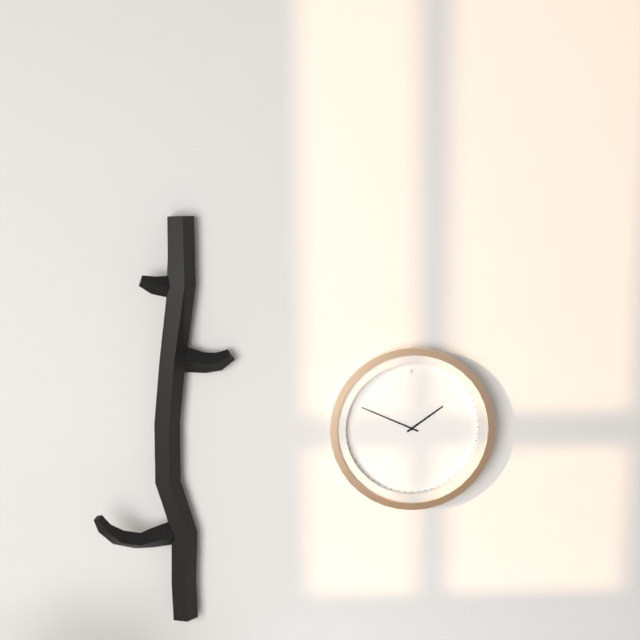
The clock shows h=1 m=49
